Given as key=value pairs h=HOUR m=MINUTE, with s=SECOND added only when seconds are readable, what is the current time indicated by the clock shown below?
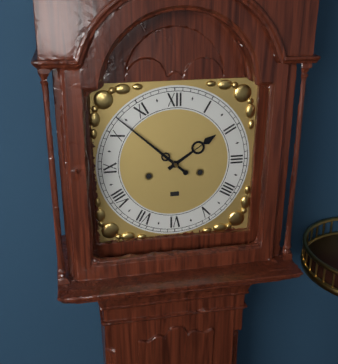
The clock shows h=1 m=52
